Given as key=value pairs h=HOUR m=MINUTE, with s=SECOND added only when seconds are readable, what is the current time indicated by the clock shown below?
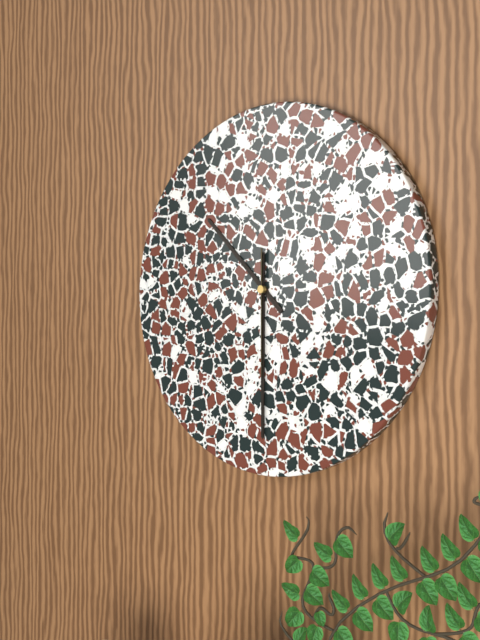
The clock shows h=10 m=30 s=30
